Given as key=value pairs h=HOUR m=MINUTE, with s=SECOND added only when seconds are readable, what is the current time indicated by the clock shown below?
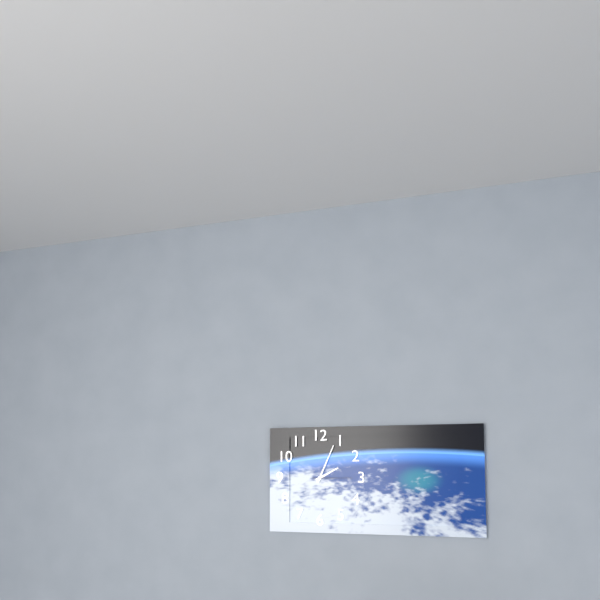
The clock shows h=2 m=4
